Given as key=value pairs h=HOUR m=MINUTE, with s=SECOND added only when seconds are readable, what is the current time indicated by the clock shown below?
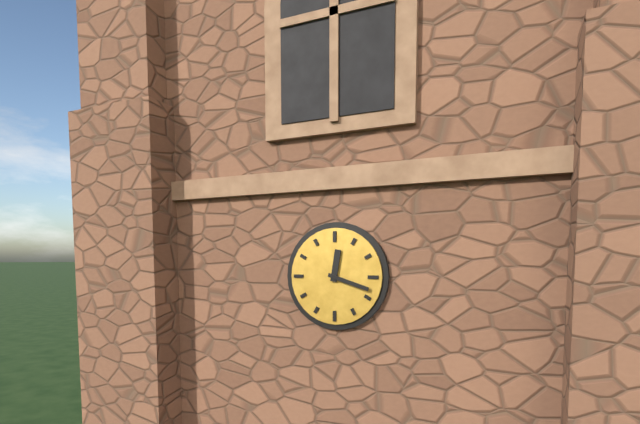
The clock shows h=12 m=18
